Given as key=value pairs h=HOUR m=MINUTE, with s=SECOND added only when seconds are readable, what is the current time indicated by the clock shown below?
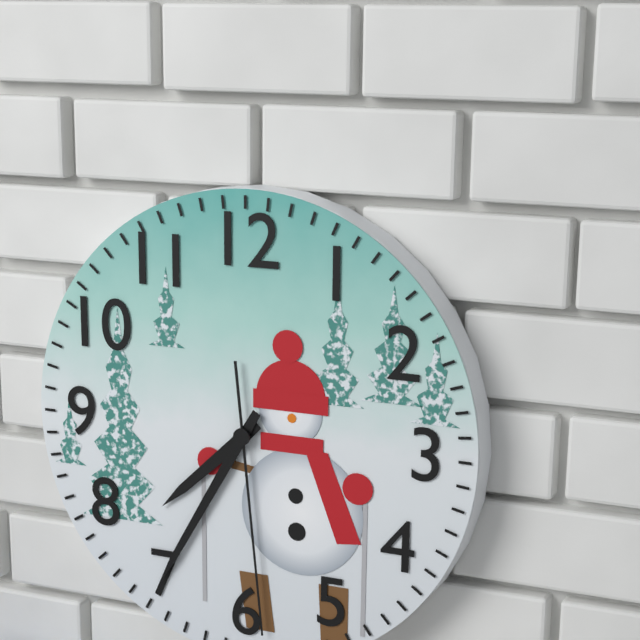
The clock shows h=7 m=35 s=29
